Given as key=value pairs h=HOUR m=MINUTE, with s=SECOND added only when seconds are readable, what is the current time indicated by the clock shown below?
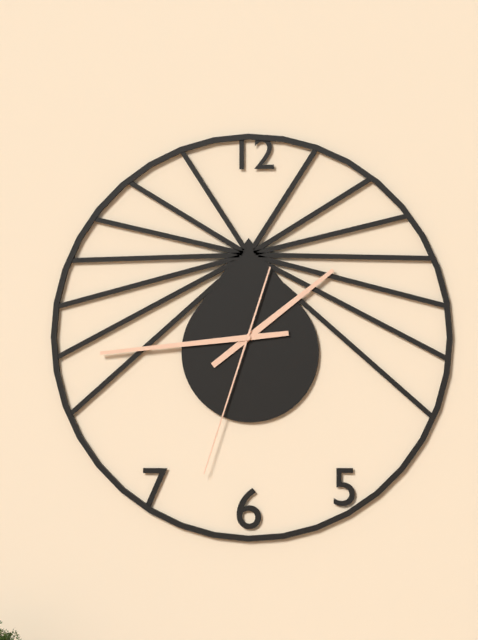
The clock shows h=1 m=44 s=33
